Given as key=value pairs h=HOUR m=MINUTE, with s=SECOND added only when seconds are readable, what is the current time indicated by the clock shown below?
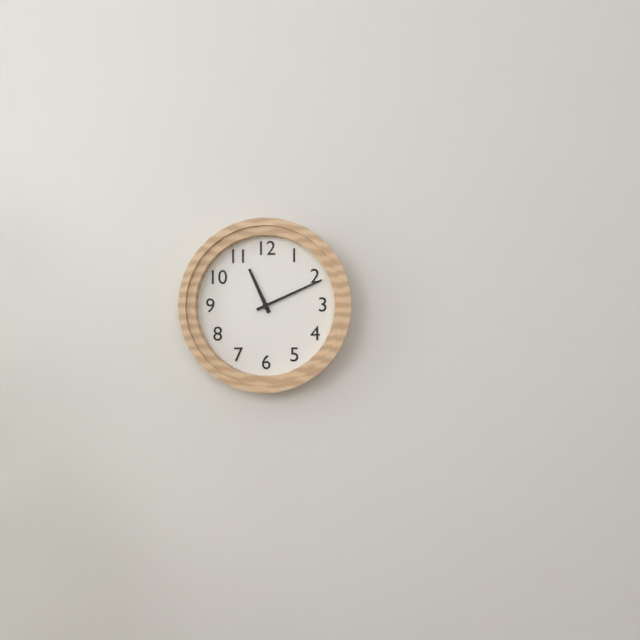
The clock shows h=11 m=11
